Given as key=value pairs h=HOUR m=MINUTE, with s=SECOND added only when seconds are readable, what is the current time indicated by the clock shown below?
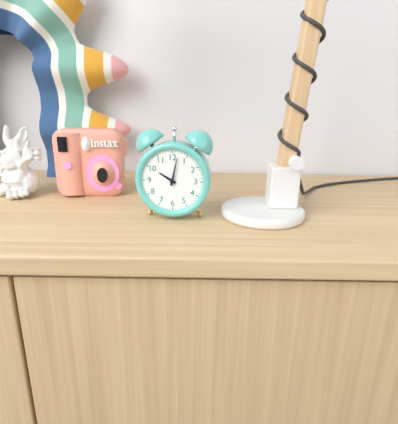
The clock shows h=10 m=2
